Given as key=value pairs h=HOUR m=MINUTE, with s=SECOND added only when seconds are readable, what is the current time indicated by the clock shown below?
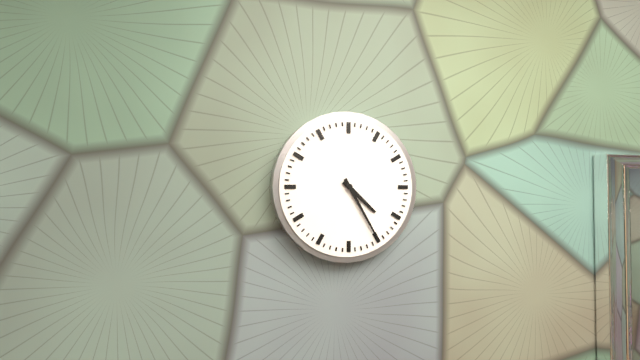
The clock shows h=4 m=25
